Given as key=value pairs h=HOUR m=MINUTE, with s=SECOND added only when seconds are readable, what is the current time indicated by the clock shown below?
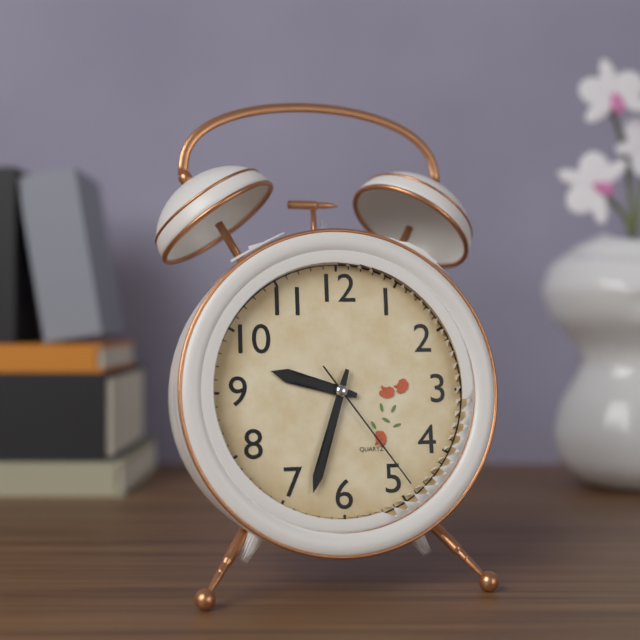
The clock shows h=9 m=33 s=24
